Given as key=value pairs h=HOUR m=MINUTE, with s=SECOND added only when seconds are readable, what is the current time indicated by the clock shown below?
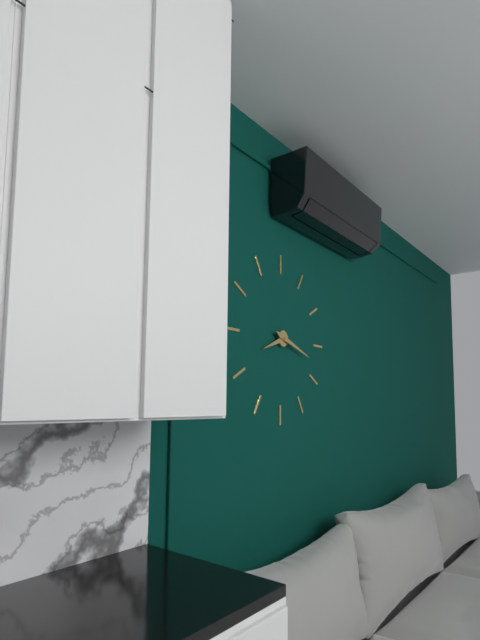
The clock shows h=8 m=18
